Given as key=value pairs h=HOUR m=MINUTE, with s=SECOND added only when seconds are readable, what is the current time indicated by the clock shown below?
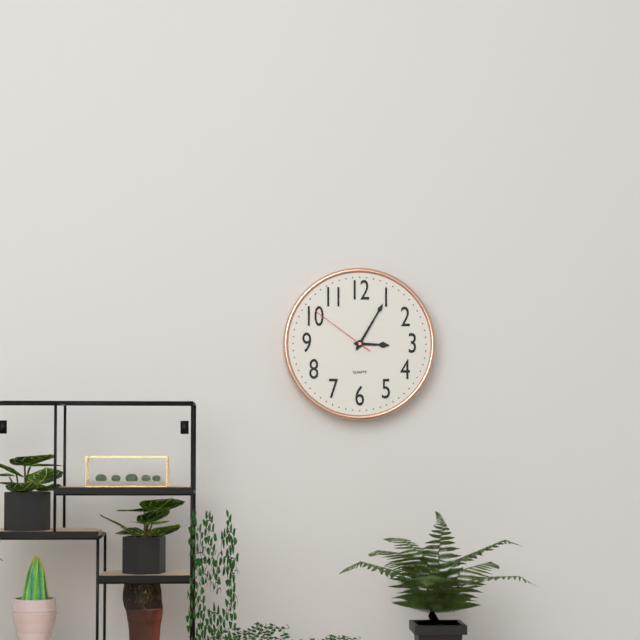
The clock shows h=3 m=5 s=51
